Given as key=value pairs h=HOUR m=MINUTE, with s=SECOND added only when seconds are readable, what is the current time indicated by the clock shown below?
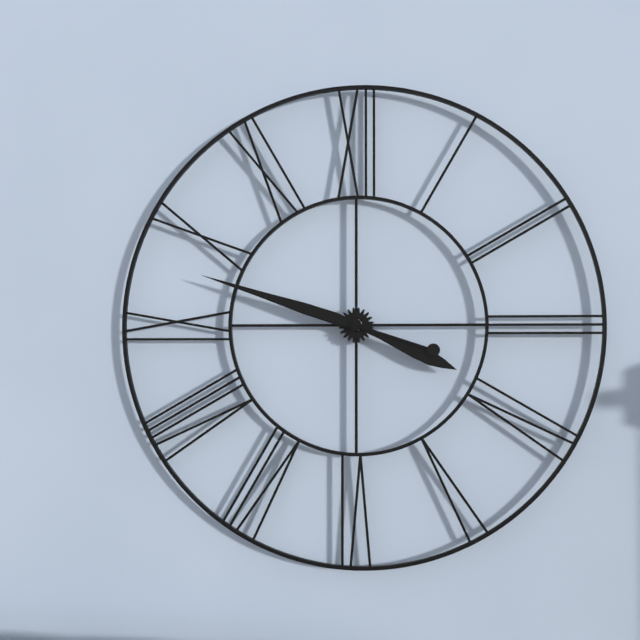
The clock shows h=3 m=48
